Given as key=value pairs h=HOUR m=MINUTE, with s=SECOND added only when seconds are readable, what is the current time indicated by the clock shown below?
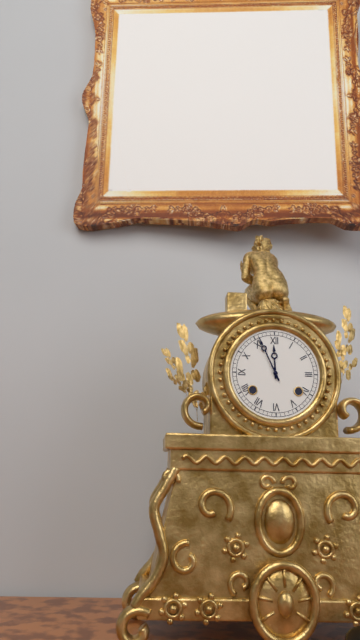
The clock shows h=11 m=56
